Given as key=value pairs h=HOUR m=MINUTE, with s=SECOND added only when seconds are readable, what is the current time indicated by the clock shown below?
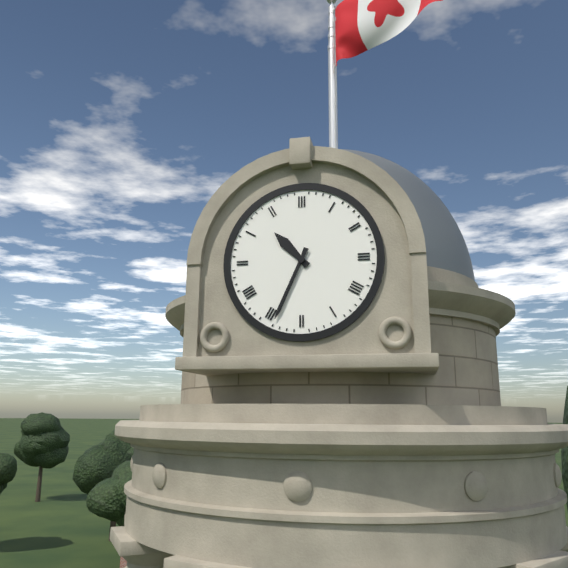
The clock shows h=10 m=34
